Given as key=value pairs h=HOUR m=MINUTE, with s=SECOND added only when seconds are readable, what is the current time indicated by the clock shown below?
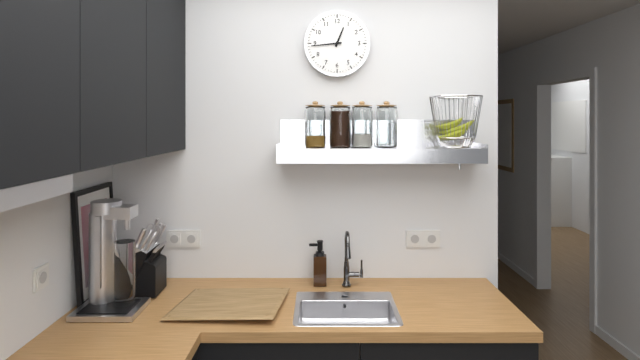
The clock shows h=12 m=44
